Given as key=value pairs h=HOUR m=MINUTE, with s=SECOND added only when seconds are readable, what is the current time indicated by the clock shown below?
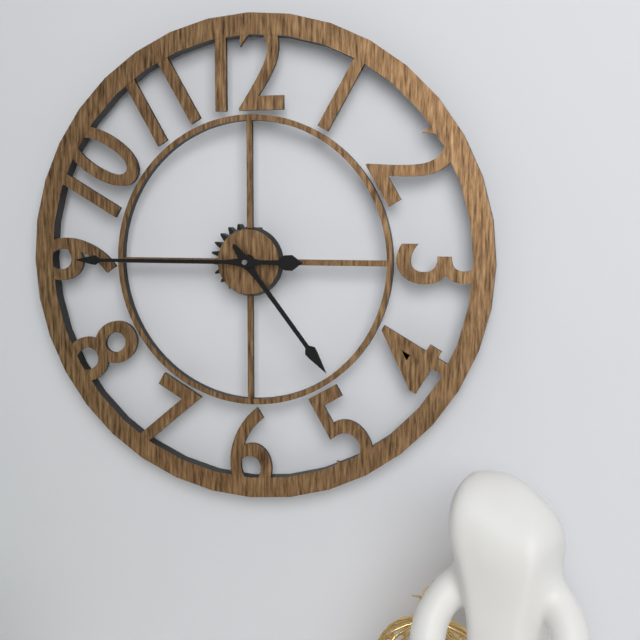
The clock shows h=4 m=45
